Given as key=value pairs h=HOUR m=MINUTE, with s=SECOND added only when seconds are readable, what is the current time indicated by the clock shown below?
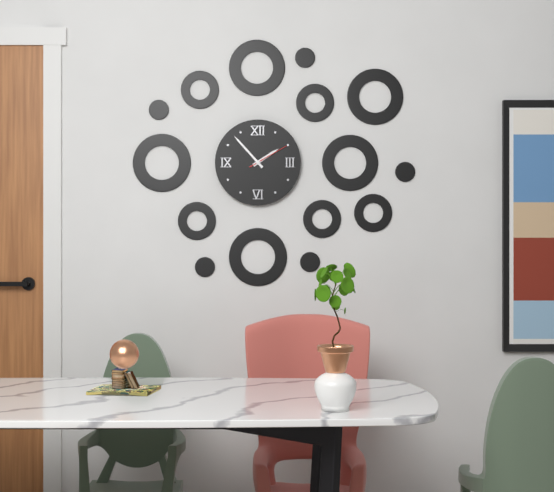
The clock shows h=1 m=53
